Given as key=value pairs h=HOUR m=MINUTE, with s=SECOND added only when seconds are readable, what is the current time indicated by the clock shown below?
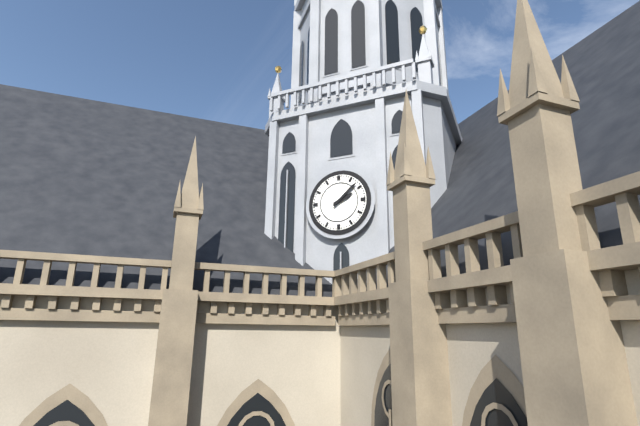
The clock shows h=2 m=8
